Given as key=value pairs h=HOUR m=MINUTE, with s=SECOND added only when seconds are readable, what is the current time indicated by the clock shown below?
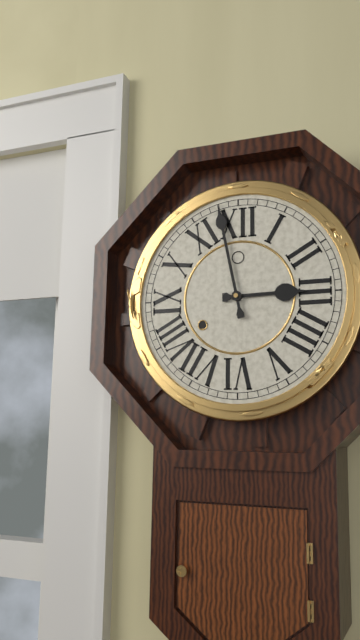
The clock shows h=2 m=58
